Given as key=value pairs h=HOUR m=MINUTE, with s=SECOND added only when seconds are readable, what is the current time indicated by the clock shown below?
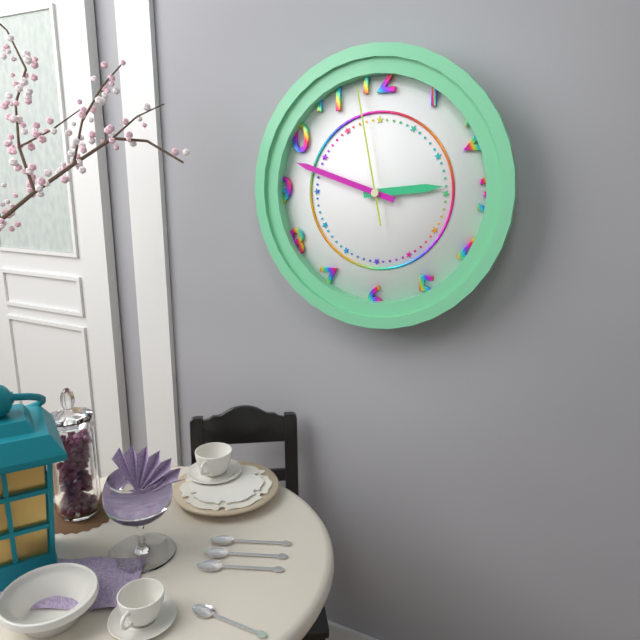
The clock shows h=2 m=48 s=58
